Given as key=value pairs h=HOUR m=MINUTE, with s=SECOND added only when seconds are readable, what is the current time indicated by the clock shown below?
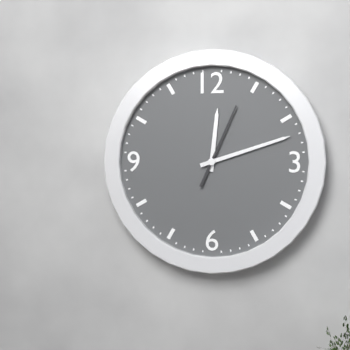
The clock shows h=12 m=12 s=4
